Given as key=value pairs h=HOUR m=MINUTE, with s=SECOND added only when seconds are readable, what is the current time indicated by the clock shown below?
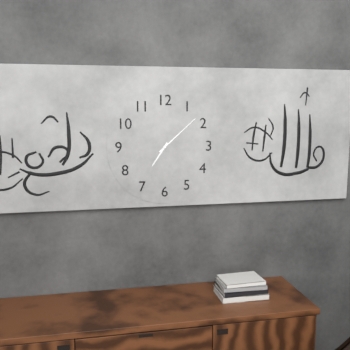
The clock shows h=7 m=8
